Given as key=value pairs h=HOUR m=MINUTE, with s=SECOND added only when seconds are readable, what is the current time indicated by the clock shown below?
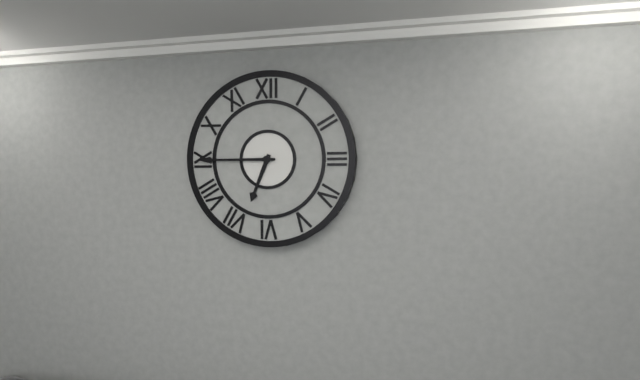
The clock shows h=6 m=45
